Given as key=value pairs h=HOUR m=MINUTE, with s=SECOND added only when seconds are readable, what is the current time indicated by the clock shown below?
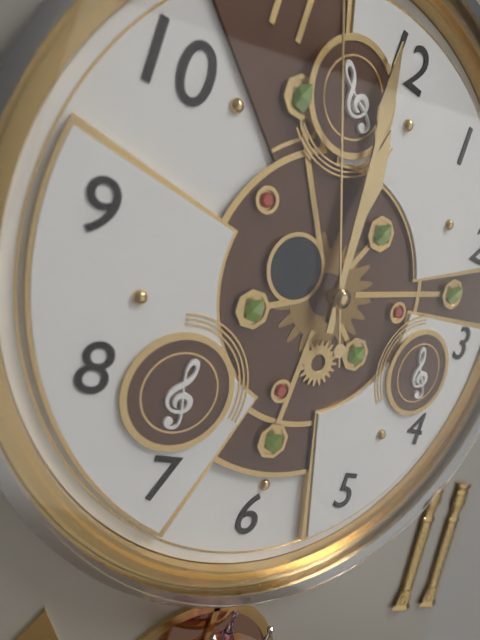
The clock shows h=11 m=59
